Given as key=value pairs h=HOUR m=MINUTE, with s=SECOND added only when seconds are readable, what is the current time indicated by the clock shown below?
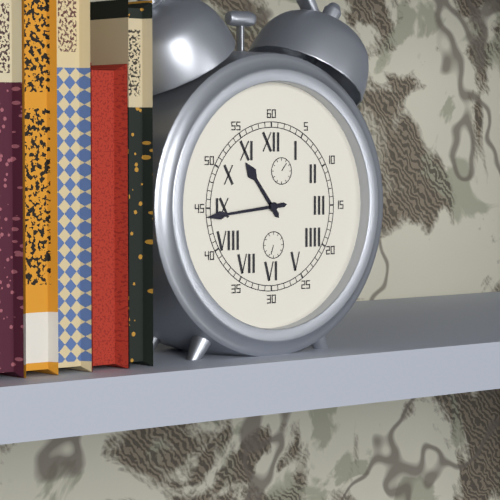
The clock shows h=10 m=44
